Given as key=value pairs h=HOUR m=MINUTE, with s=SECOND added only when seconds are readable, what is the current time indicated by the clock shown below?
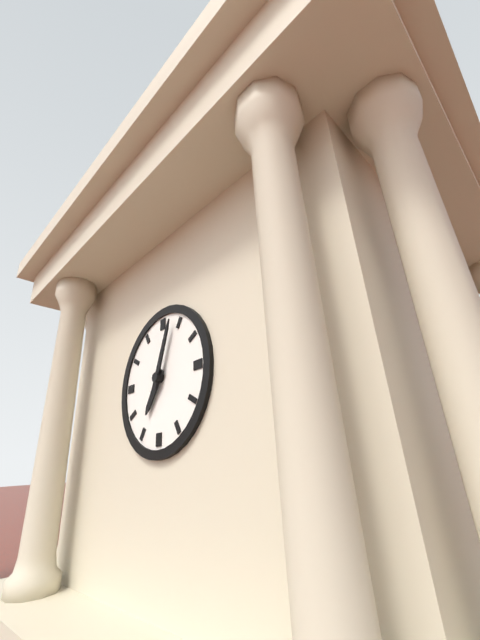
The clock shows h=7 m=3
